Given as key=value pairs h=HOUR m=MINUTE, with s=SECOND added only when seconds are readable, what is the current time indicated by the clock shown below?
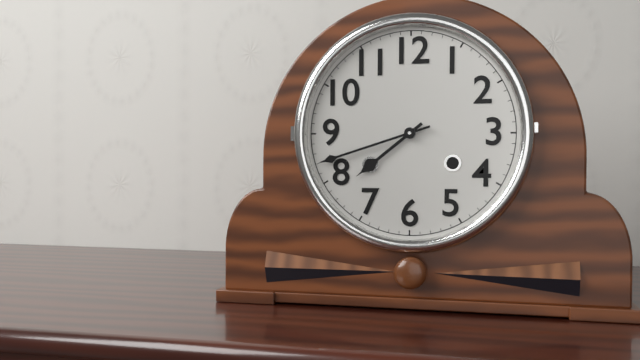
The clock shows h=7 m=42
